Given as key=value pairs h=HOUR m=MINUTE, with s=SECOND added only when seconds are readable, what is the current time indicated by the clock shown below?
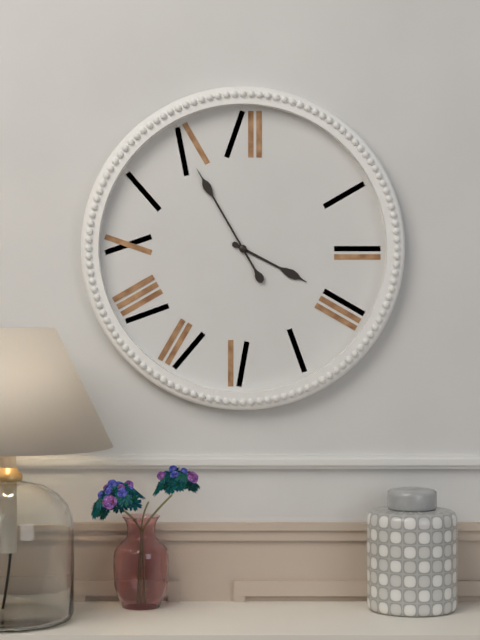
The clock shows h=3 m=55
